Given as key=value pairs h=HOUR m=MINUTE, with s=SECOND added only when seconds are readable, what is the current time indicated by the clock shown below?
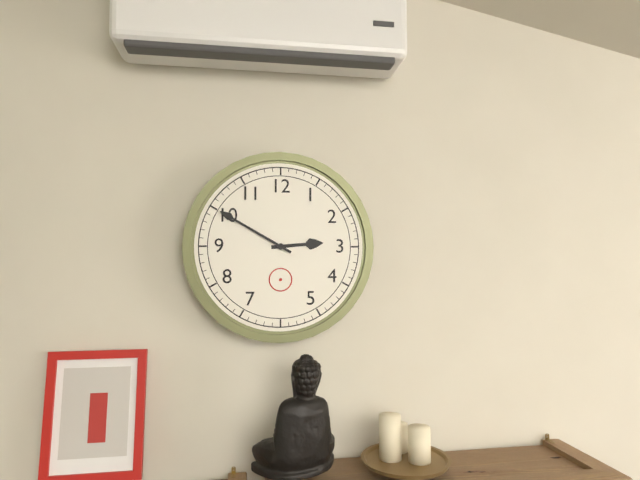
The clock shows h=2 m=50
